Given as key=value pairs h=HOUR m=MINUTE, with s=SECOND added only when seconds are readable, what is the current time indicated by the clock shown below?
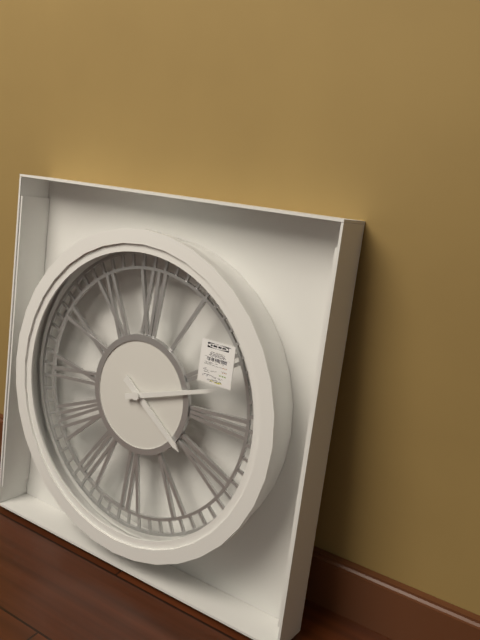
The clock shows h=4 m=12
